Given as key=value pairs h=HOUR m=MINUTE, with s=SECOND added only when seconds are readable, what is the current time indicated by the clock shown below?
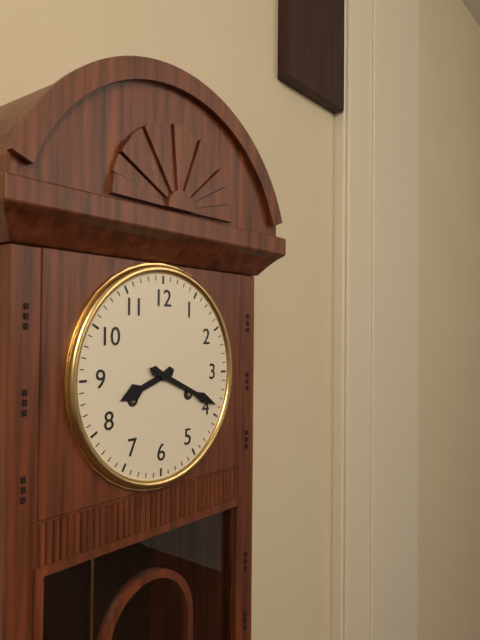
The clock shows h=8 m=19
